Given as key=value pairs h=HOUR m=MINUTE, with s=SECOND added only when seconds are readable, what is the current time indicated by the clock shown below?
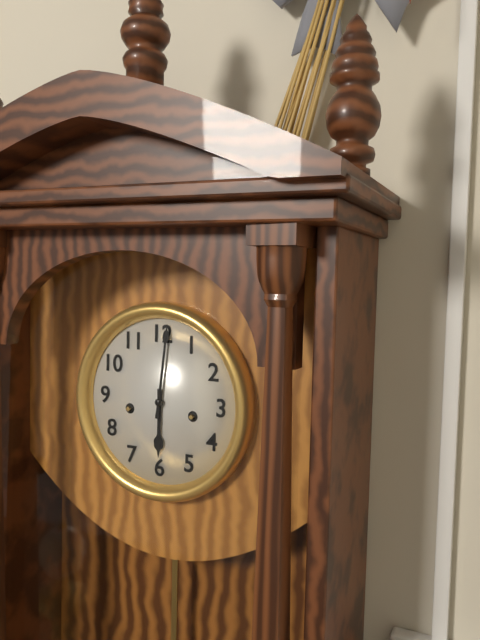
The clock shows h=6 m=1
